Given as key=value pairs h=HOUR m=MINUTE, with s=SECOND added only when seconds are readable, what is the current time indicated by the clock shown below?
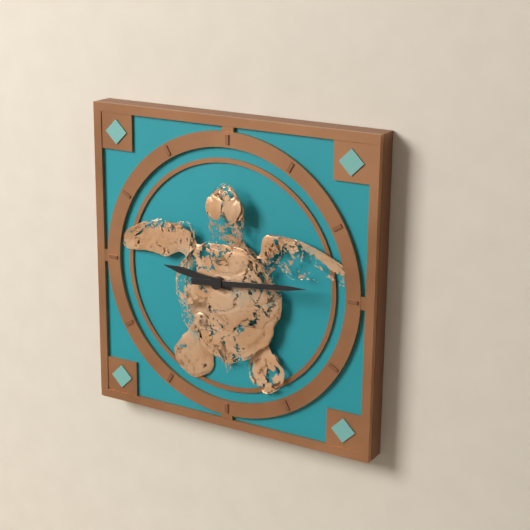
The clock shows h=9 m=14
